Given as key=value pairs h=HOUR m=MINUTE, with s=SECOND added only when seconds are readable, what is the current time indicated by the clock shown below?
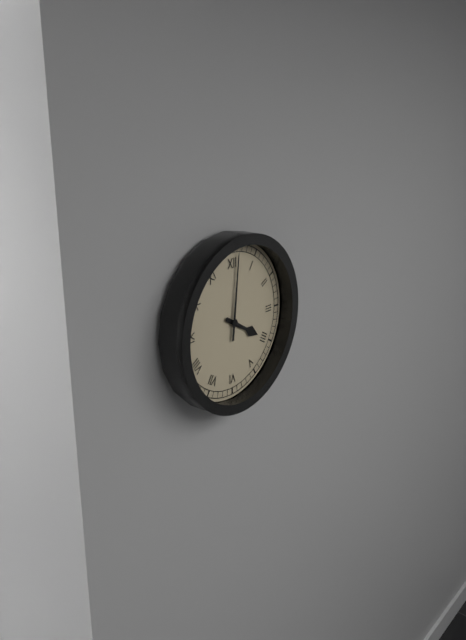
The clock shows h=4 m=1
